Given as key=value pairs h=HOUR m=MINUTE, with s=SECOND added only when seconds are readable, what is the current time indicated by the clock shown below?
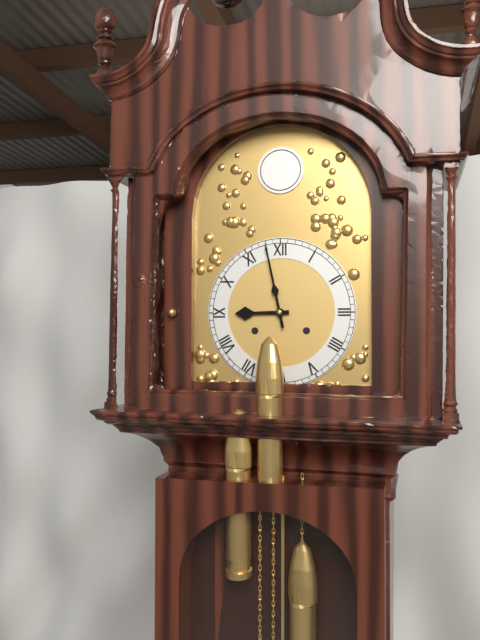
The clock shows h=8 m=58
